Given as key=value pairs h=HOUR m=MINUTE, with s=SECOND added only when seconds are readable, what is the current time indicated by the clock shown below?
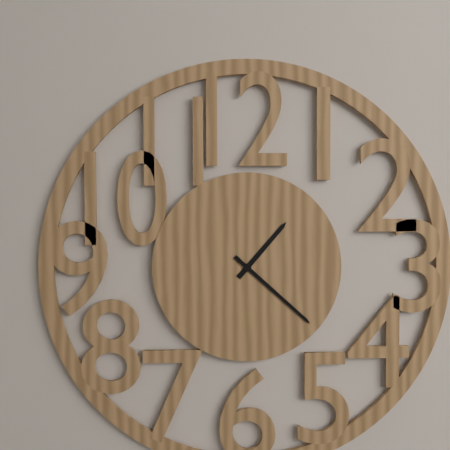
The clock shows h=1 m=22
